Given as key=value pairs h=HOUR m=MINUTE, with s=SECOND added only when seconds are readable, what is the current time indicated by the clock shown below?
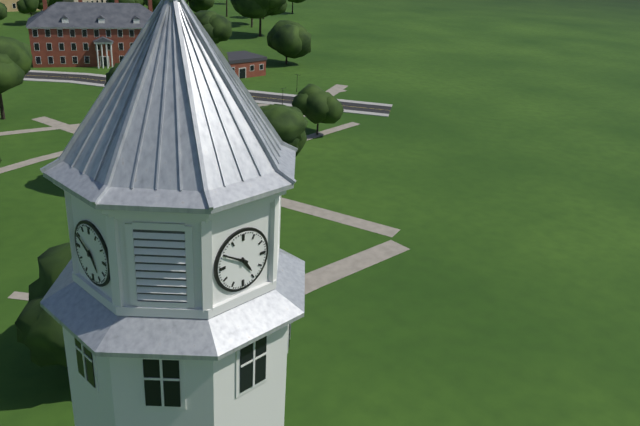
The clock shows h=4 m=50
